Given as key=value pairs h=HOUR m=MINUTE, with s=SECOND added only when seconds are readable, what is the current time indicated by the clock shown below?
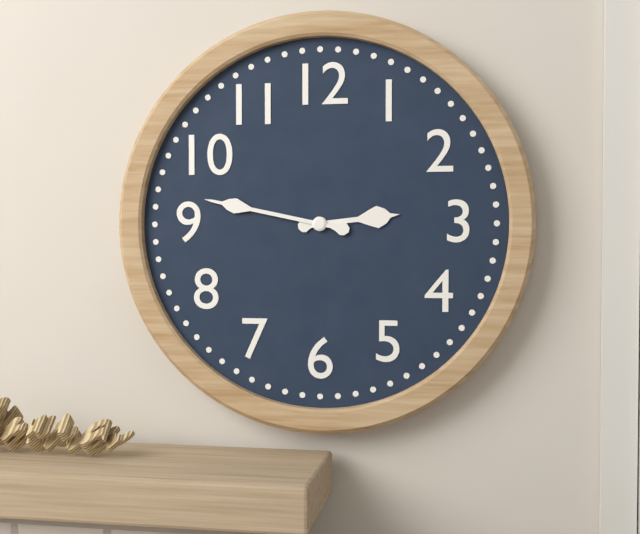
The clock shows h=2 m=47
